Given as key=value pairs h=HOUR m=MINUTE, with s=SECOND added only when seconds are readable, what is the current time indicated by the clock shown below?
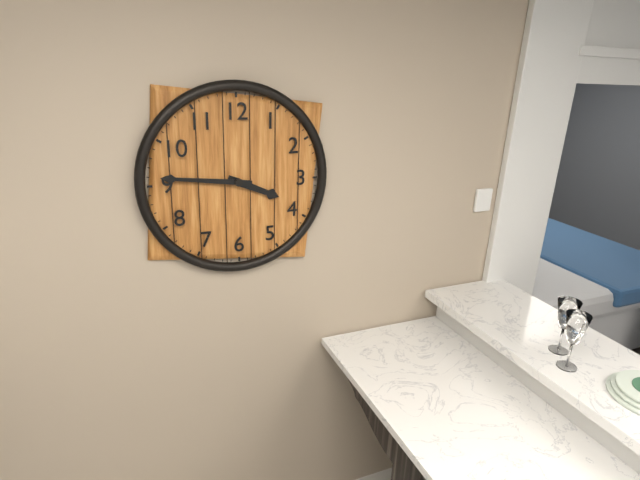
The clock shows h=3 m=46
